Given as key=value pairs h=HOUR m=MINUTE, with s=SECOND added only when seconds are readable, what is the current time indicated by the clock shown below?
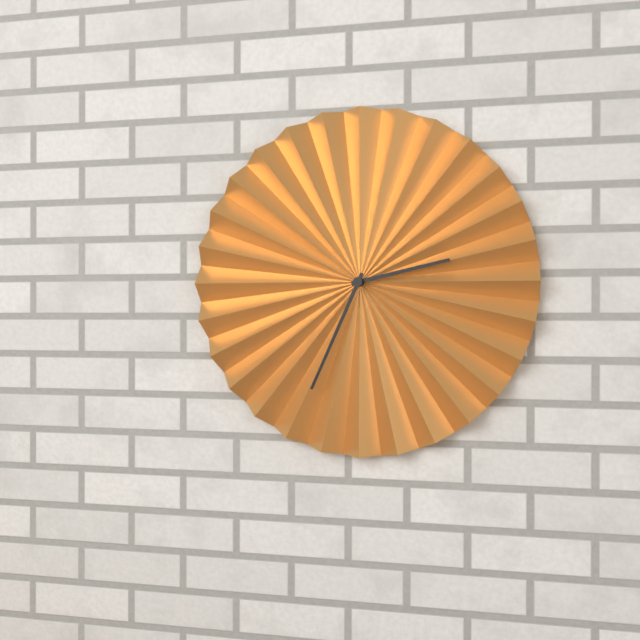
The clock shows h=2 m=34
